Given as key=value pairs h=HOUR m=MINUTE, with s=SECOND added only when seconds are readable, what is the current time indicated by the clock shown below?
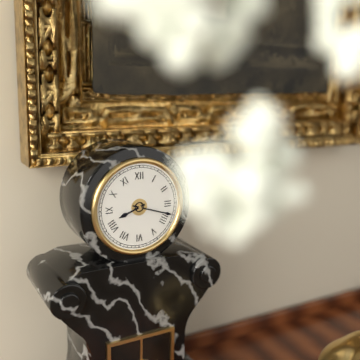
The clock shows h=8 m=18
